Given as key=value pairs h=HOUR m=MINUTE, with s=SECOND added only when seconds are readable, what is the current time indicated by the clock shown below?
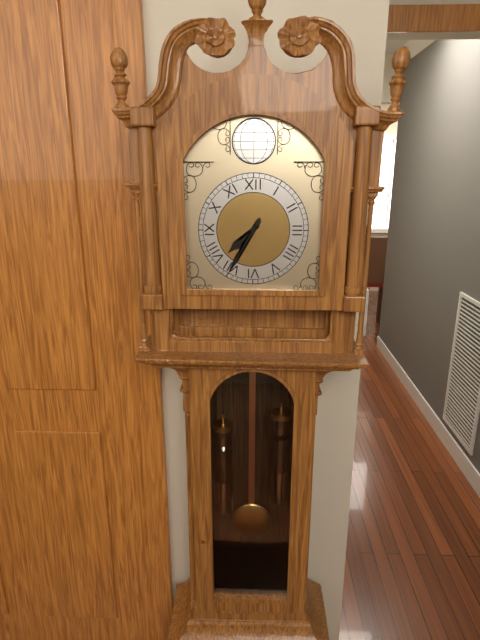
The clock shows h=7 m=35
